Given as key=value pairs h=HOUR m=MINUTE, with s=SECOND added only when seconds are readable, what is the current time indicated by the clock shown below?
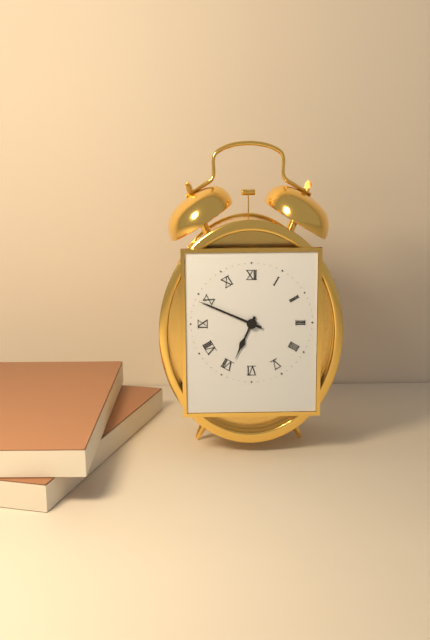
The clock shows h=6 m=49
